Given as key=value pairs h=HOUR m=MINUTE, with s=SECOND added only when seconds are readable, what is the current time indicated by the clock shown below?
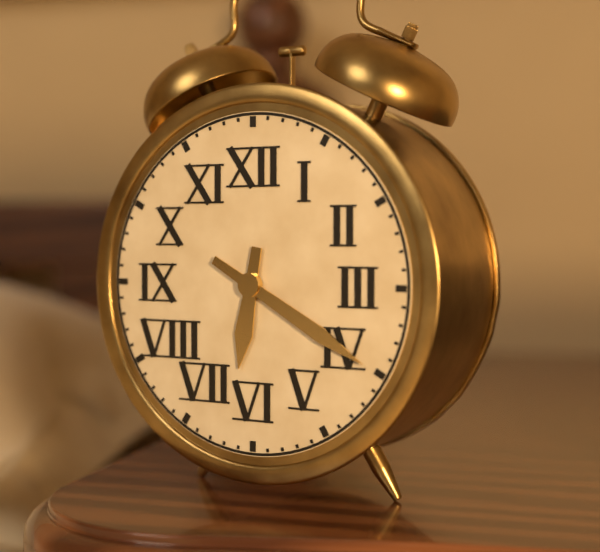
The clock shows h=6 m=20
